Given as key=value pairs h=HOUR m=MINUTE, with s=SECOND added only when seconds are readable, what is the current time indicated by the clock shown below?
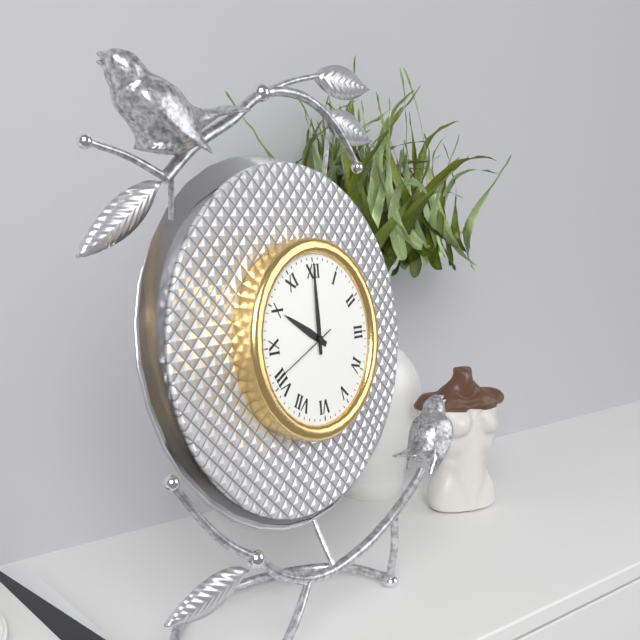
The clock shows h=10 m=0 s=41
